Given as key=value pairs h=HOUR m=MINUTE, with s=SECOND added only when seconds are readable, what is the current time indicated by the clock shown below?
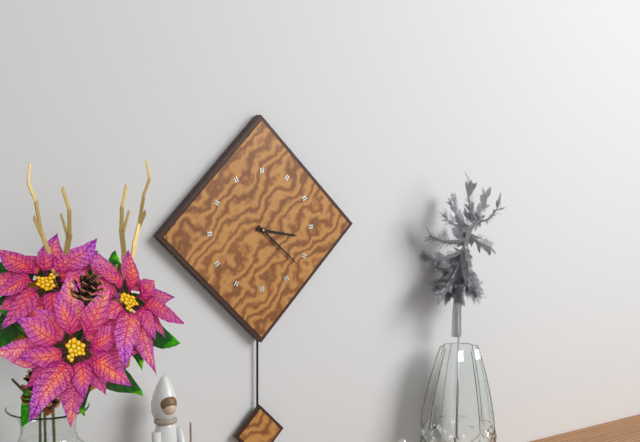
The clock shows h=3 m=22
